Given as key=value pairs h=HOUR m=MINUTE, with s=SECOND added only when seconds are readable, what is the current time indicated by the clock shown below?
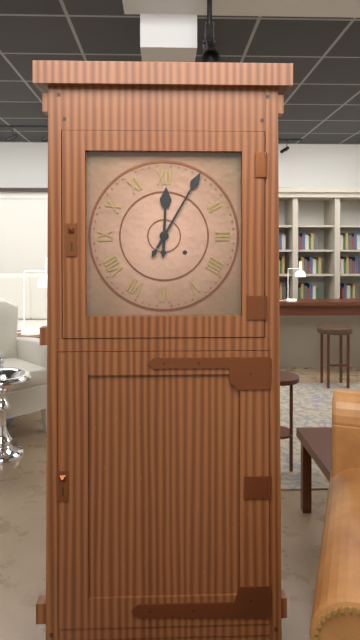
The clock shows h=12 m=5
